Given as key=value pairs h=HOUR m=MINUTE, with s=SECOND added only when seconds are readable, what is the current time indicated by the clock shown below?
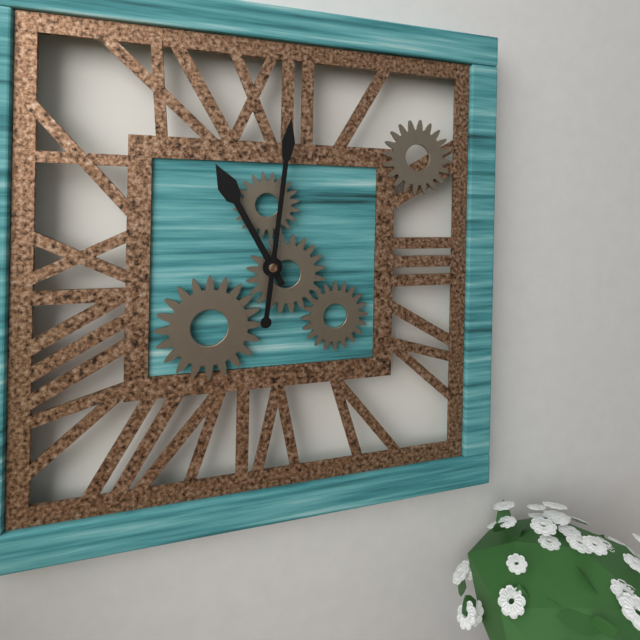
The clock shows h=11 m=1
